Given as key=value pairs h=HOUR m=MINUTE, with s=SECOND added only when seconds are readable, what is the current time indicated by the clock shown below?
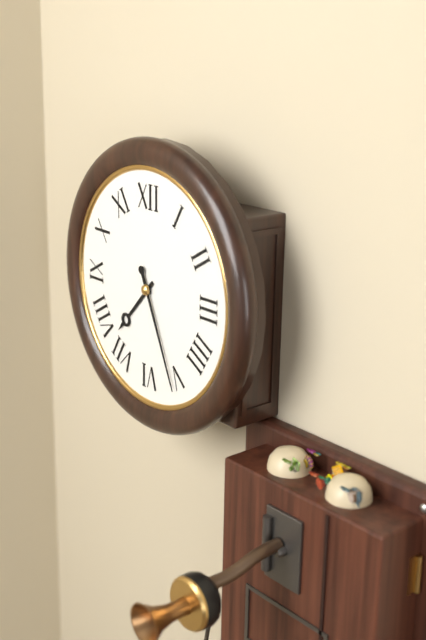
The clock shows h=7 m=26
